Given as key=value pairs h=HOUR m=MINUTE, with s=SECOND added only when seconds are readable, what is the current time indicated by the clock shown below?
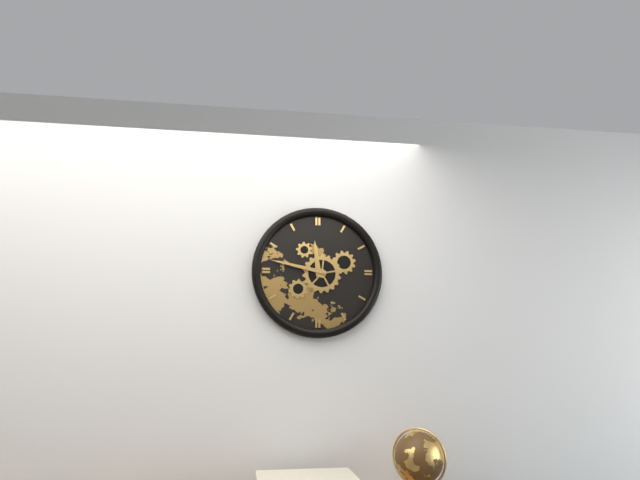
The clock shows h=11 m=47
